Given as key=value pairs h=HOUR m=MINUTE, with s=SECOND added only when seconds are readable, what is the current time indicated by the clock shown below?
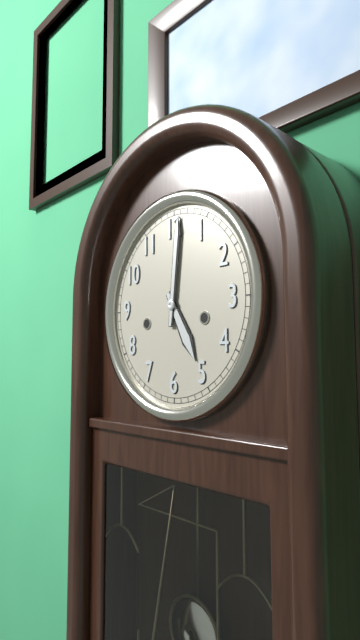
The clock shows h=5 m=1
